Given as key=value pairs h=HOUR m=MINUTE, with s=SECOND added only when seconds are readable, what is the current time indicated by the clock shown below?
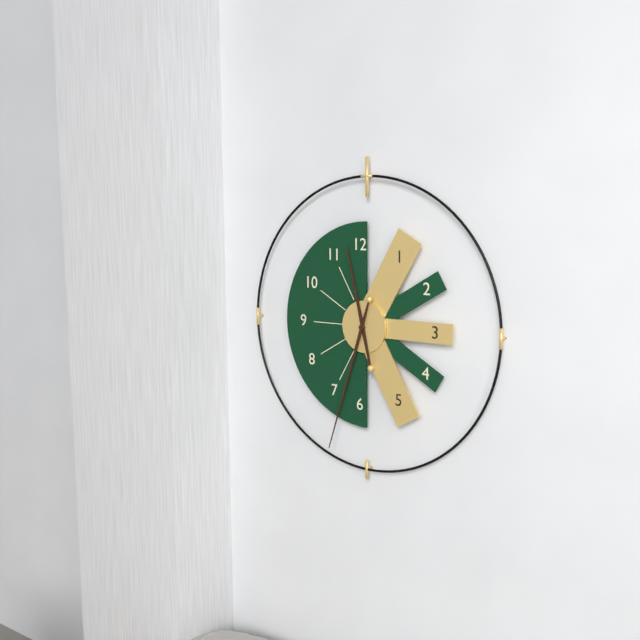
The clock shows h=11 m=33
